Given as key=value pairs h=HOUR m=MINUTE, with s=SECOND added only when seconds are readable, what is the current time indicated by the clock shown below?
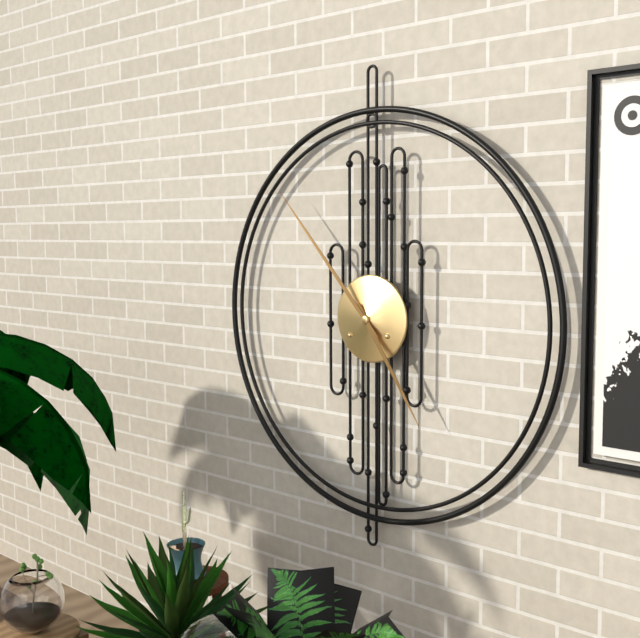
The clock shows h=4 m=53
